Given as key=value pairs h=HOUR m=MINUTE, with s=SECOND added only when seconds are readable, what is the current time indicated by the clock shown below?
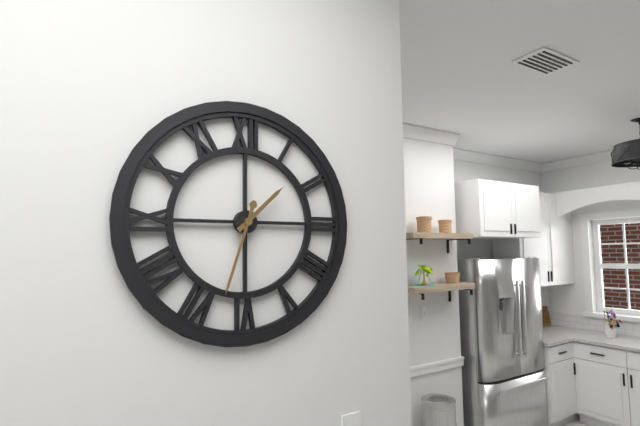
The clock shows h=1 m=33
